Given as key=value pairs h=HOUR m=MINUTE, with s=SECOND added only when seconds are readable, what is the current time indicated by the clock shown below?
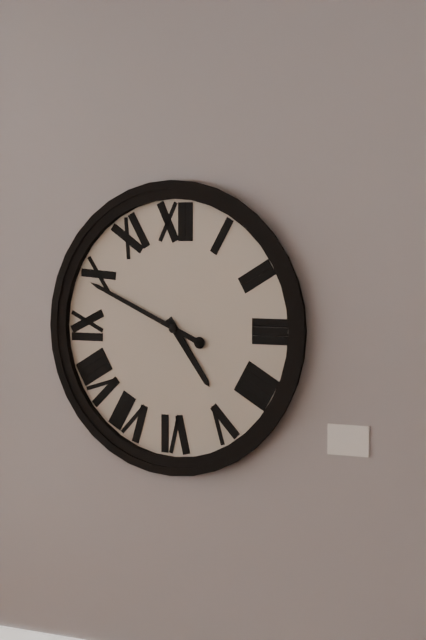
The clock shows h=4 m=49
